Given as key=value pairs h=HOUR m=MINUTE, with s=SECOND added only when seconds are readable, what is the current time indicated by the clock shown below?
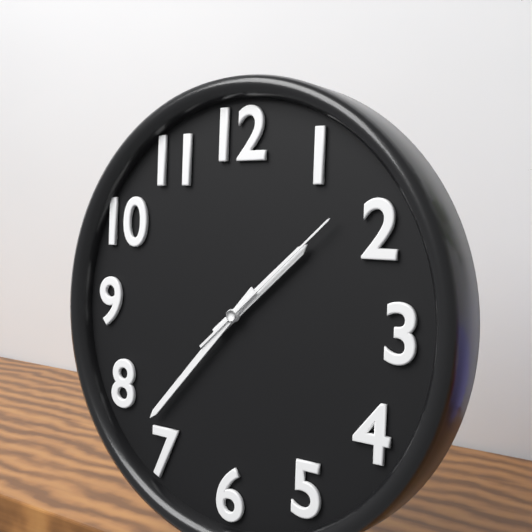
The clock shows h=1 m=37 s=8
